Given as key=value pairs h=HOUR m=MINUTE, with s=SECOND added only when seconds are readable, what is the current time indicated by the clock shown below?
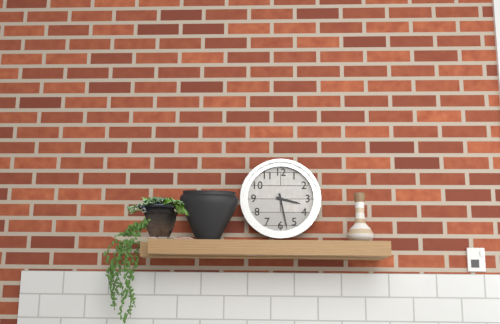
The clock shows h=3 m=28
